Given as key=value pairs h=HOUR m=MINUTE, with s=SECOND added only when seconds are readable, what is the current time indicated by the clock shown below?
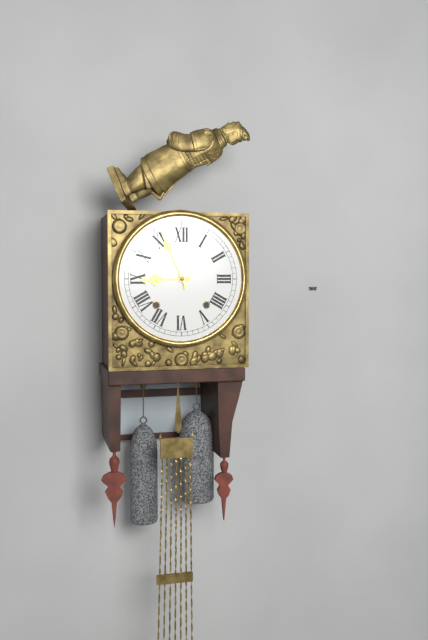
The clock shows h=8 m=56
